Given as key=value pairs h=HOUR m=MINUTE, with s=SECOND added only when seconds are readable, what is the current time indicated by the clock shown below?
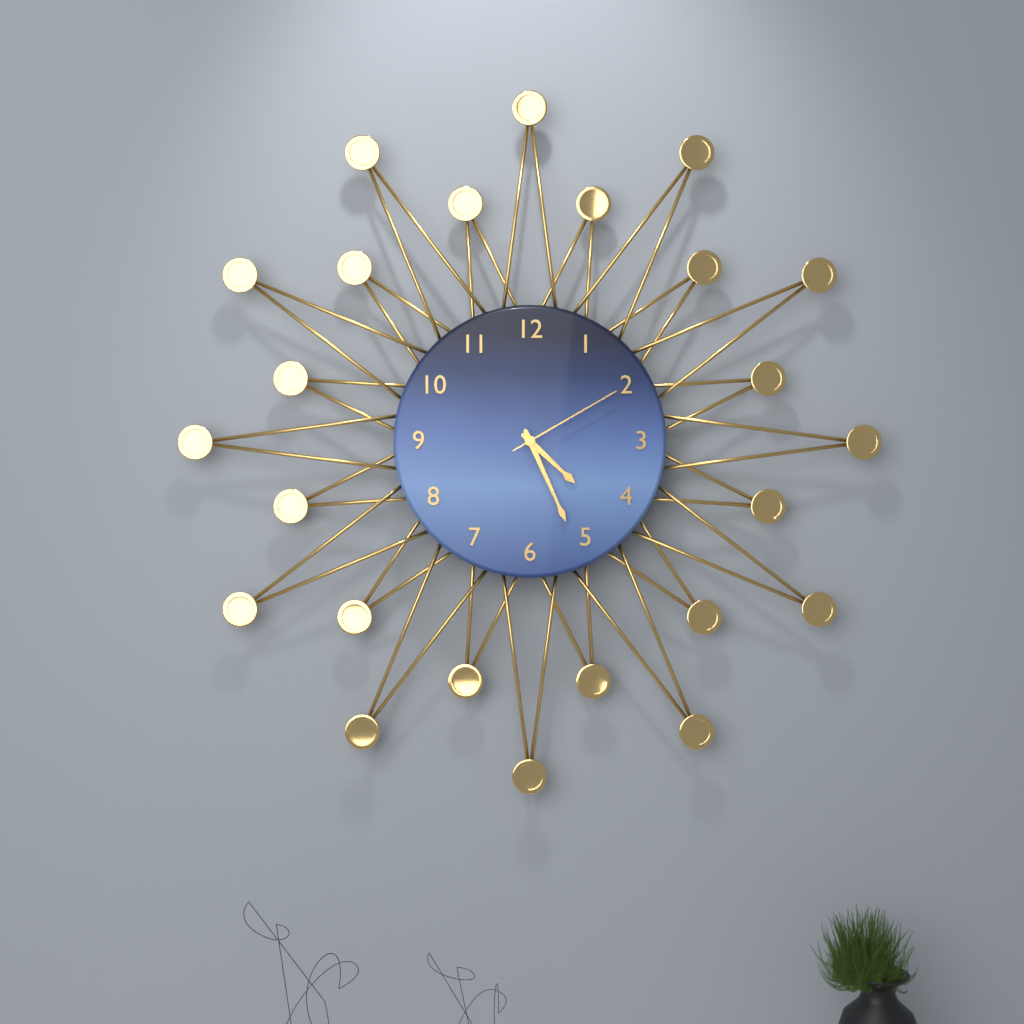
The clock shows h=4 m=26 s=10
